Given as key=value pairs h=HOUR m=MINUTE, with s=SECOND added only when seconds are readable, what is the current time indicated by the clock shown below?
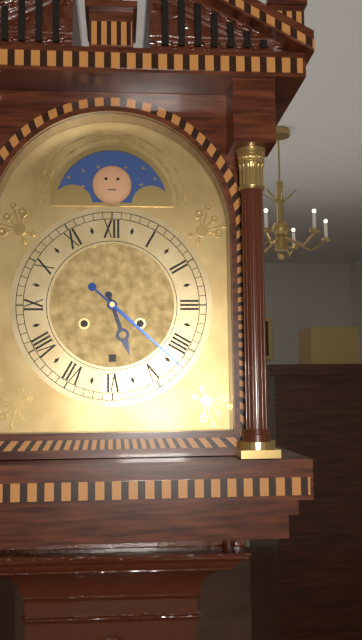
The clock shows h=5 m=22
